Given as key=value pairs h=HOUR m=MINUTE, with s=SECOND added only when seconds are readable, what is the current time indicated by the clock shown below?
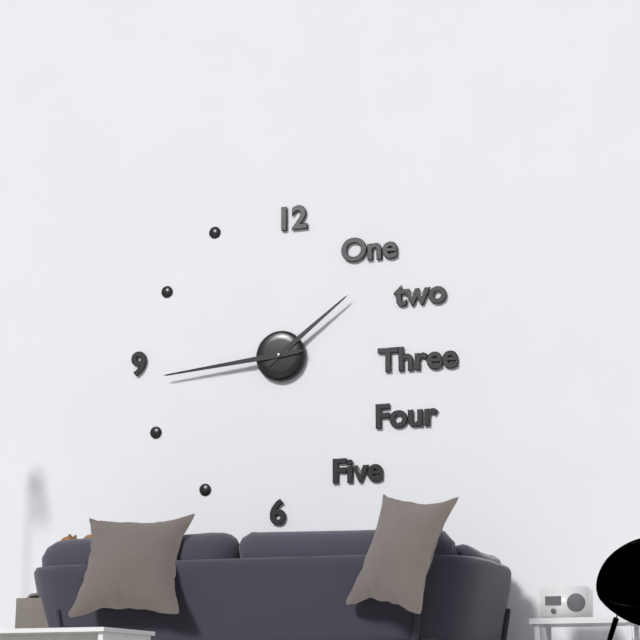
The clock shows h=1 m=44
